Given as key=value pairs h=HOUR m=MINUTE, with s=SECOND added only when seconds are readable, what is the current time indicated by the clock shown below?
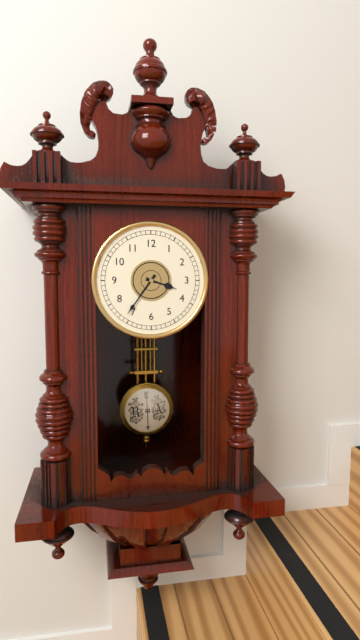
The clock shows h=3 m=36
